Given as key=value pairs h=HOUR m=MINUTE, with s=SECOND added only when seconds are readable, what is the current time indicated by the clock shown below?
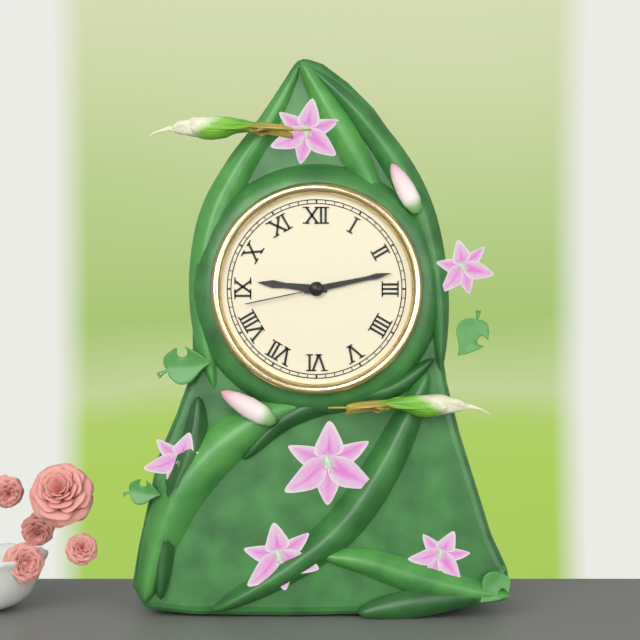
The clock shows h=9 m=13 s=43
